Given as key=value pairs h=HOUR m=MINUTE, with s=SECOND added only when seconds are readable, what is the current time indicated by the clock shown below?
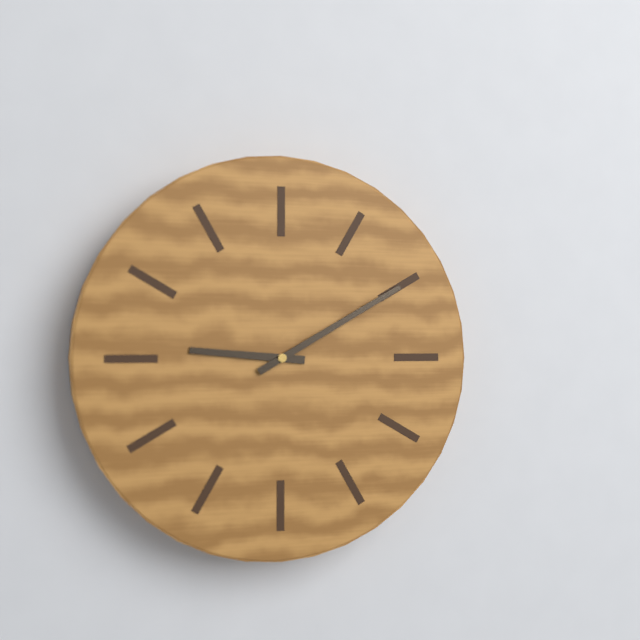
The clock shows h=9 m=10
